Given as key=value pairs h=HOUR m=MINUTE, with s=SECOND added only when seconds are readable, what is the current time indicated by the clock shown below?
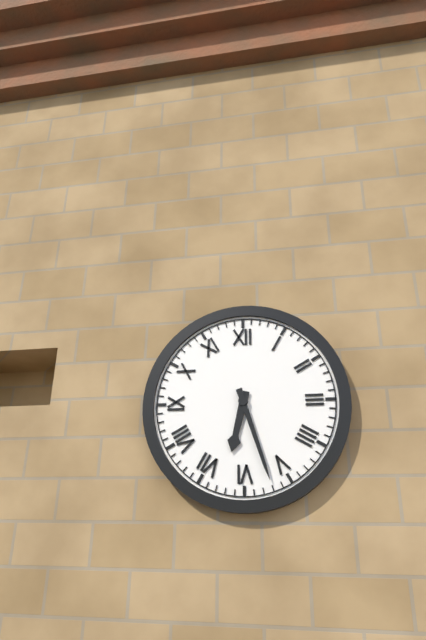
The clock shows h=6 m=27
